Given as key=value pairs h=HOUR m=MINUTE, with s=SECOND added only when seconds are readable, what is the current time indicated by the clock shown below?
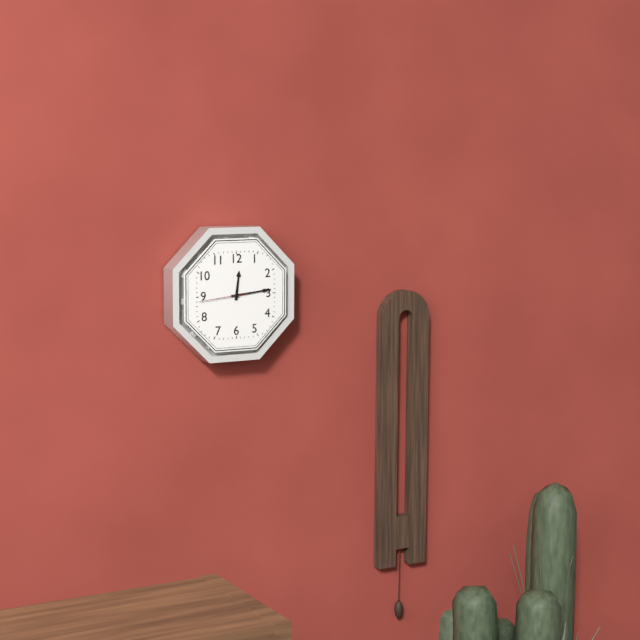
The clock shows h=12 m=14
